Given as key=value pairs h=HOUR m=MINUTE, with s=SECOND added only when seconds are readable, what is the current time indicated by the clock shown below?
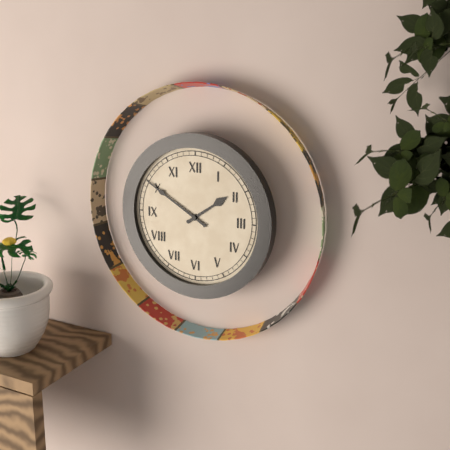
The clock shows h=1 m=50
